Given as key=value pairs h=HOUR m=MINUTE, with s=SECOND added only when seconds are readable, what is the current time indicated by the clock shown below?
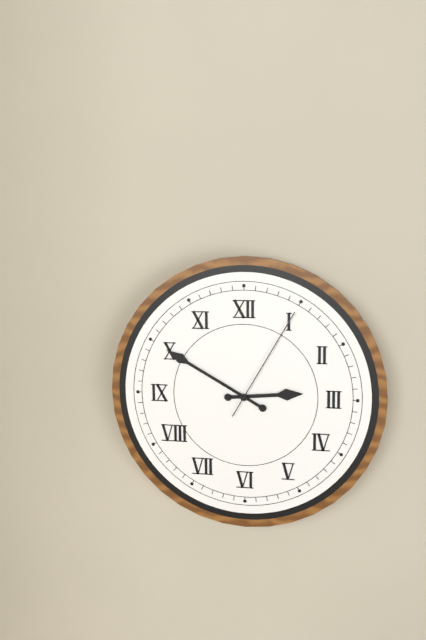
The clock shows h=2 m=50 s=5
